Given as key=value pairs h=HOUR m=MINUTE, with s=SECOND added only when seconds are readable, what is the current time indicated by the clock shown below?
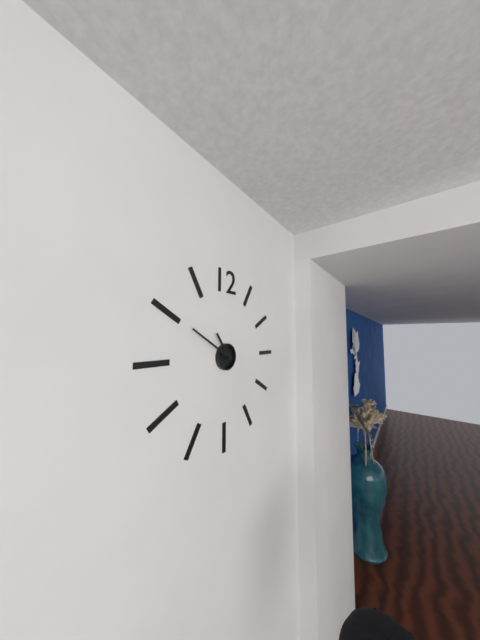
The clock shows h=10 m=50
